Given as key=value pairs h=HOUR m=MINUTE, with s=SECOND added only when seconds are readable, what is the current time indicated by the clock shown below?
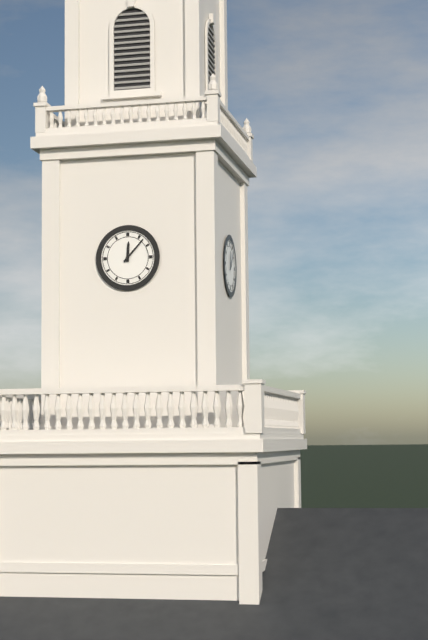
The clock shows h=12 m=7
